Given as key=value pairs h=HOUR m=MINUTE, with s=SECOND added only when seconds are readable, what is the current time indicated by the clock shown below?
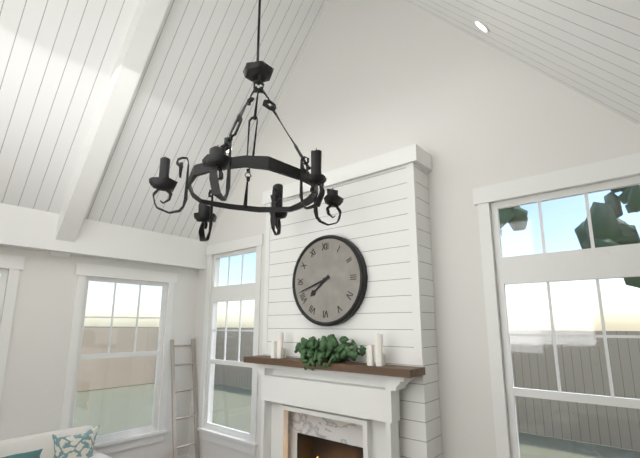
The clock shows h=7 m=42
